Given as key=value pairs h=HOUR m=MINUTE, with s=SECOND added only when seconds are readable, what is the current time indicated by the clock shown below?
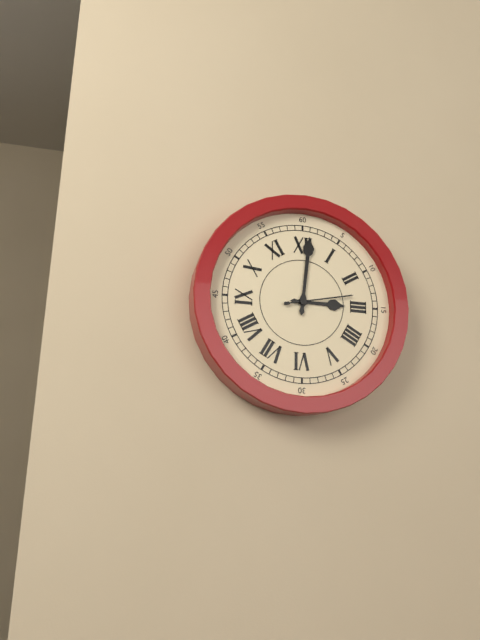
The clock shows h=3 m=1 s=13
